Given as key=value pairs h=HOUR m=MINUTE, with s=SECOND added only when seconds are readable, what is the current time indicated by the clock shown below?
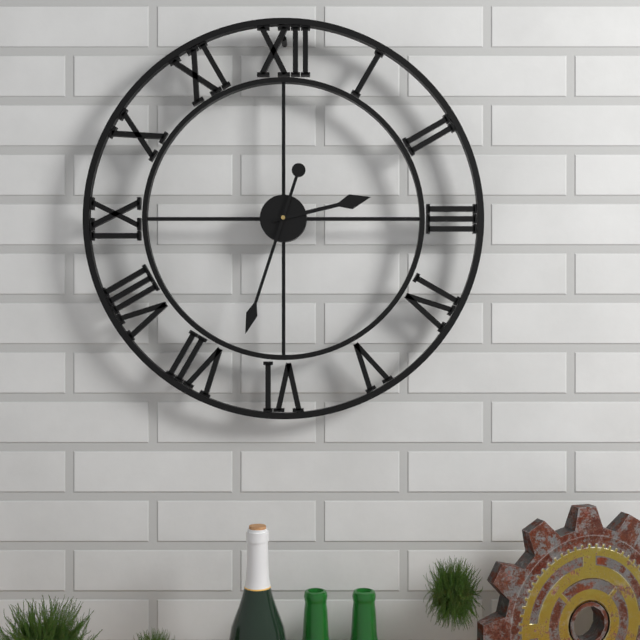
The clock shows h=2 m=33
